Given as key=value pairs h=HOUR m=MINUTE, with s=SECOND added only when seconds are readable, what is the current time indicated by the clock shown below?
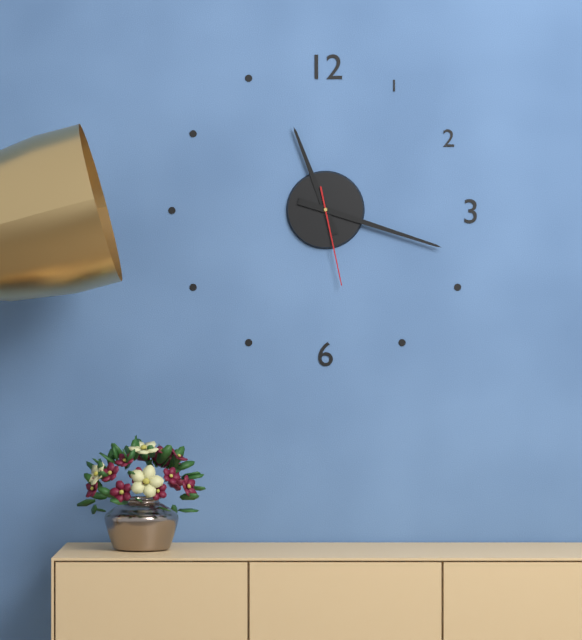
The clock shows h=11 m=18 s=28
